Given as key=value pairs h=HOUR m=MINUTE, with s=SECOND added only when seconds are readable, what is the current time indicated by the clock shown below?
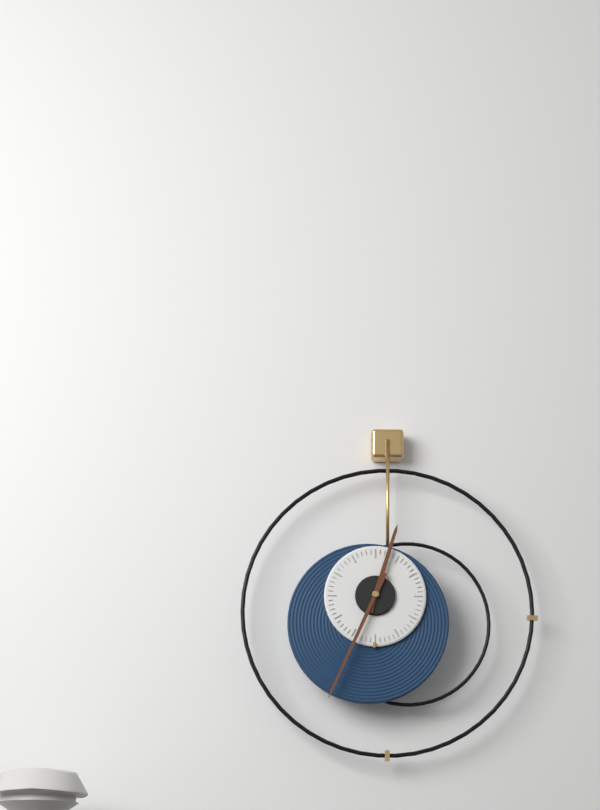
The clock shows h=12 m=34
